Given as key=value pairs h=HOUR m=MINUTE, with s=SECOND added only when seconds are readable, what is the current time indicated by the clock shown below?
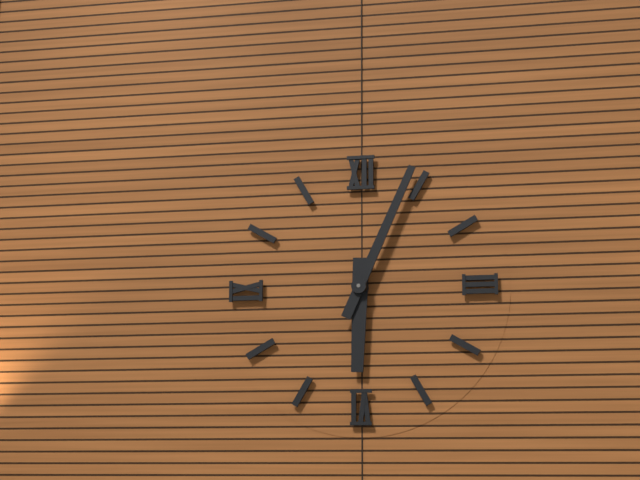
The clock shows h=6 m=4
